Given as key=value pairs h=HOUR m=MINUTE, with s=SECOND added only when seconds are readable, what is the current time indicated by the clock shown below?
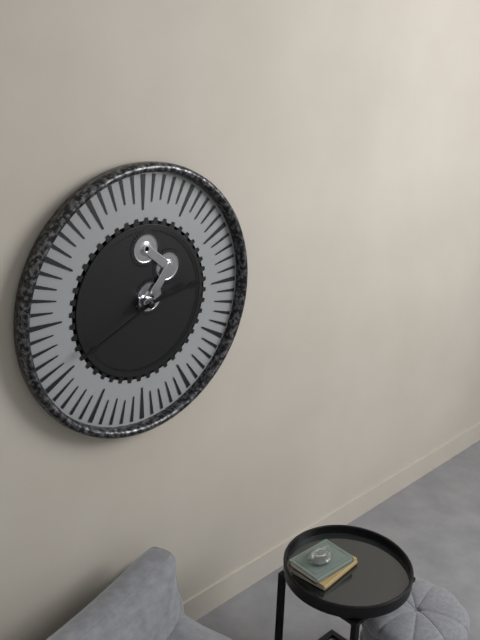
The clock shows h=2 m=41
